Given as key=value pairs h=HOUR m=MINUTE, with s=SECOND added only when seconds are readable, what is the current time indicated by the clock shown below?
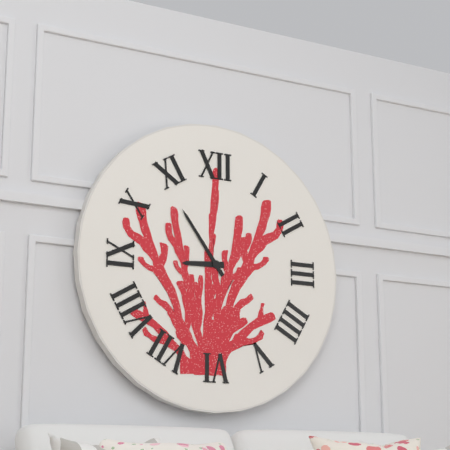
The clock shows h=8 m=54
